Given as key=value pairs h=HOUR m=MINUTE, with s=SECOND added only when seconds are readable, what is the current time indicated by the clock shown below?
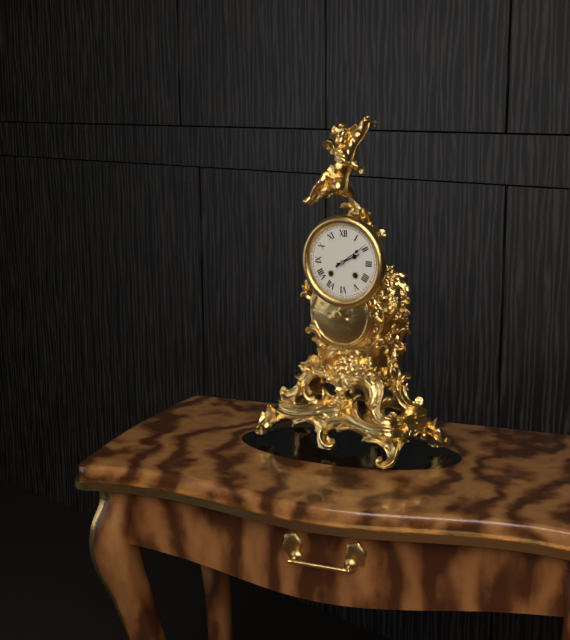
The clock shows h=2 m=9
